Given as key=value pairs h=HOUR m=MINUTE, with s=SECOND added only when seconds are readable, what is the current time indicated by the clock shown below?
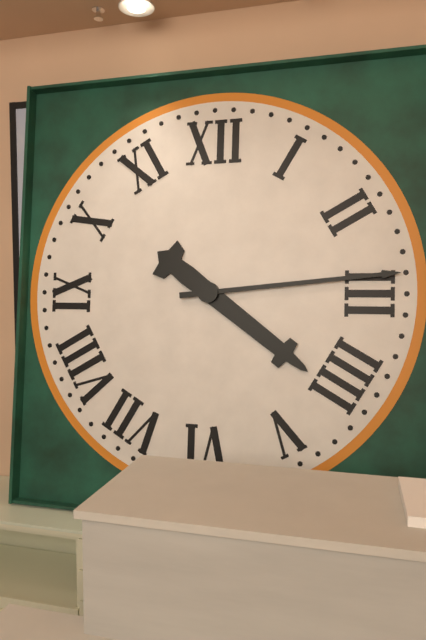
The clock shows h=4 m=14
